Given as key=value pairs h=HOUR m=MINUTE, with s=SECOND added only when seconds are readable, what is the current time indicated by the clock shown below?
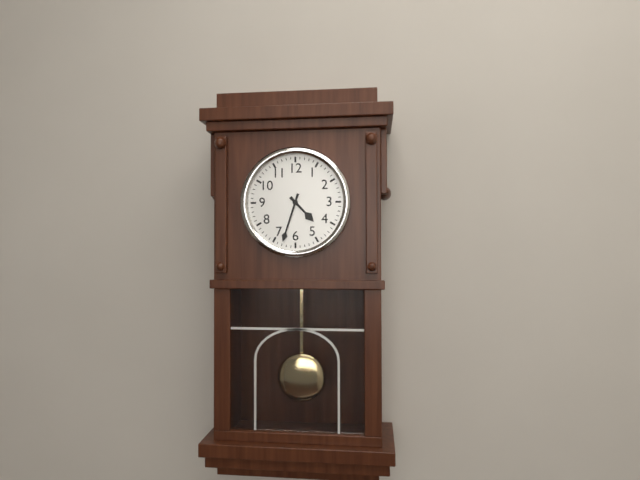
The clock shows h=4 m=33
